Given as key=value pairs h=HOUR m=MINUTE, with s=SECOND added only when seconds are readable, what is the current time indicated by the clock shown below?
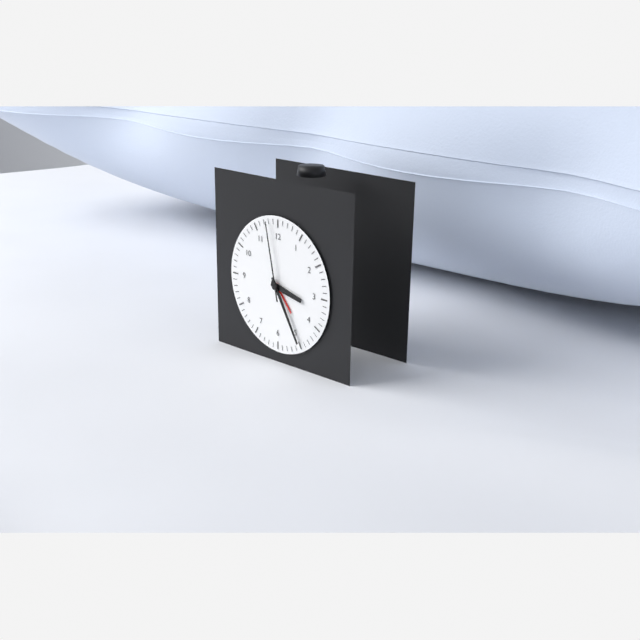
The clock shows h=3 m=25 s=58
